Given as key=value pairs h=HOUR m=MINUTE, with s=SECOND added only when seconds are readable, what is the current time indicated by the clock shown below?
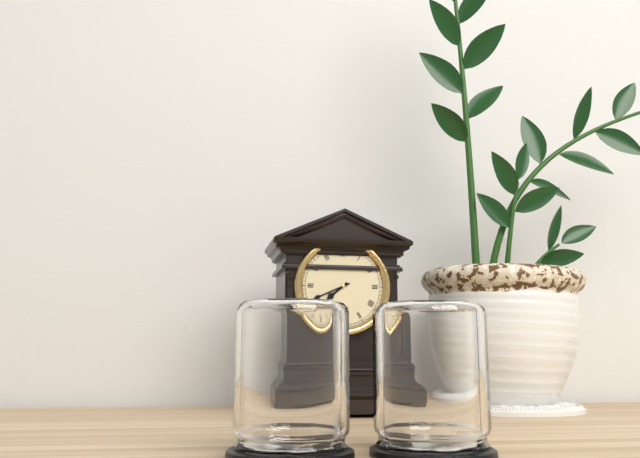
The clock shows h=7 m=41
